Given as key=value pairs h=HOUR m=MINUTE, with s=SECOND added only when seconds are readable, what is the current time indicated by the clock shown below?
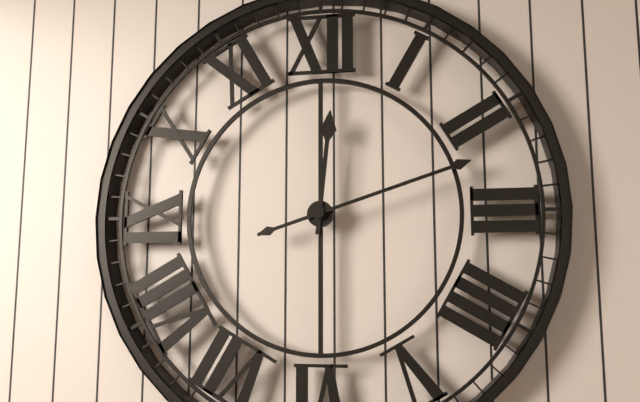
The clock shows h=12 m=12
